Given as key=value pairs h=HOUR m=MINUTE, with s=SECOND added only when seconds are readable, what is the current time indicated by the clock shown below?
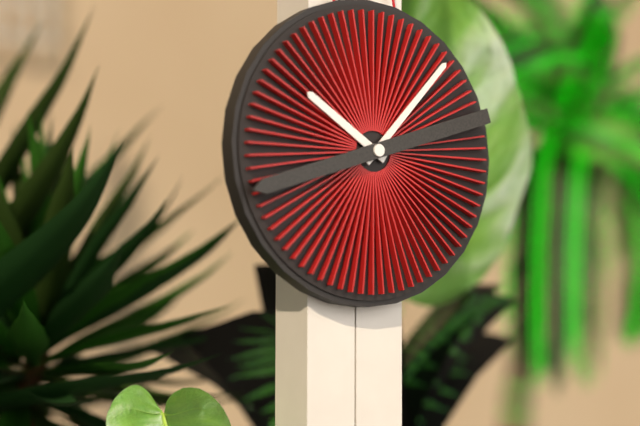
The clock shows h=10 m=7 s=42
